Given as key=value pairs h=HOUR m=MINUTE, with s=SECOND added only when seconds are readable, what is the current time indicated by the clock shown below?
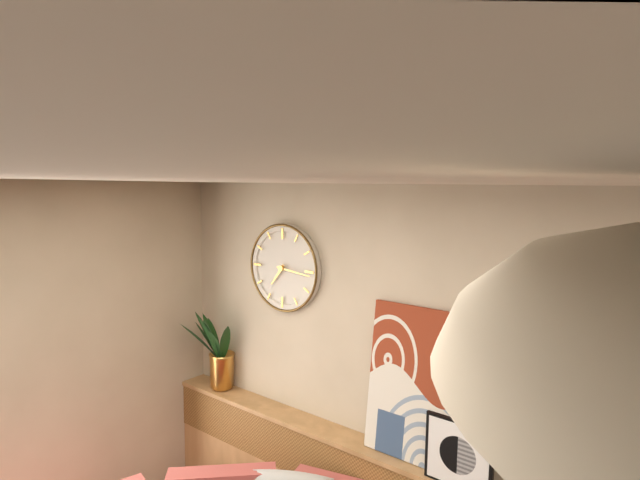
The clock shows h=7 m=16
